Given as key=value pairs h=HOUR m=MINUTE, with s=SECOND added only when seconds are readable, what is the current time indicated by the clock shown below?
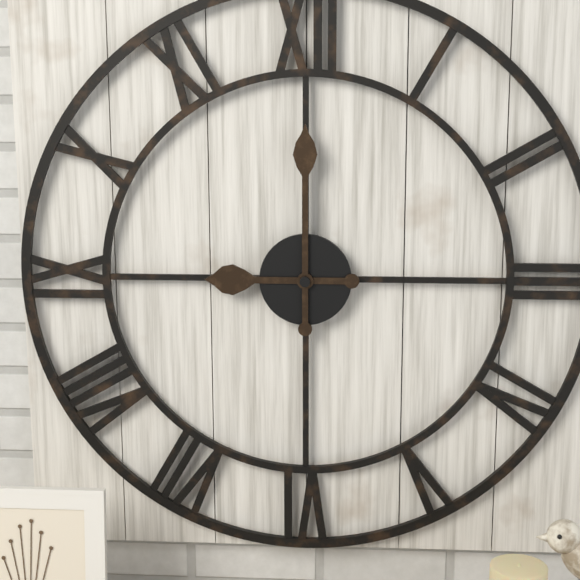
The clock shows h=9 m=0
